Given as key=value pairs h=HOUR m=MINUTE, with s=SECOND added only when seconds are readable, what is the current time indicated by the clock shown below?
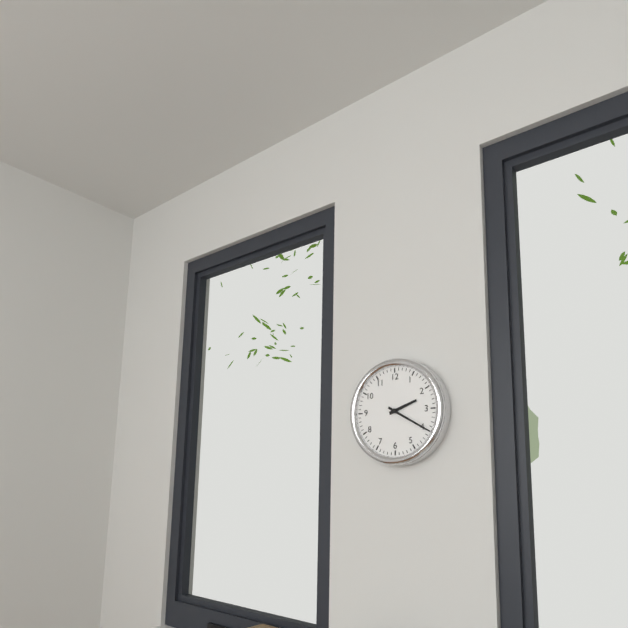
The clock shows h=2 m=20
